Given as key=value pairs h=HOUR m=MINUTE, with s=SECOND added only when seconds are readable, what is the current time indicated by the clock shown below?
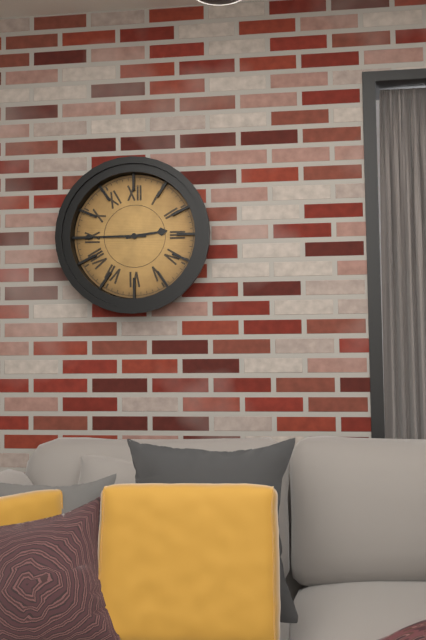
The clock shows h=2 m=45
